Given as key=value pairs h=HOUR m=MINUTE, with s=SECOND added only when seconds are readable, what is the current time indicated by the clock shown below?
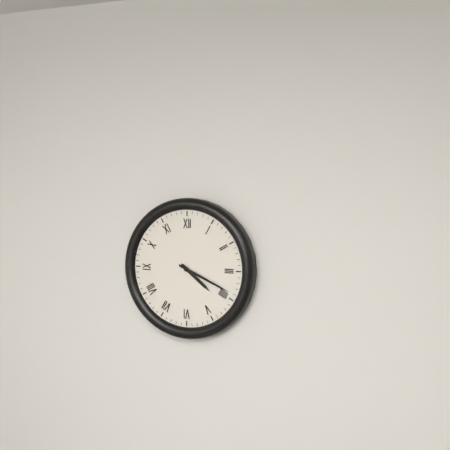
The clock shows h=4 m=19
